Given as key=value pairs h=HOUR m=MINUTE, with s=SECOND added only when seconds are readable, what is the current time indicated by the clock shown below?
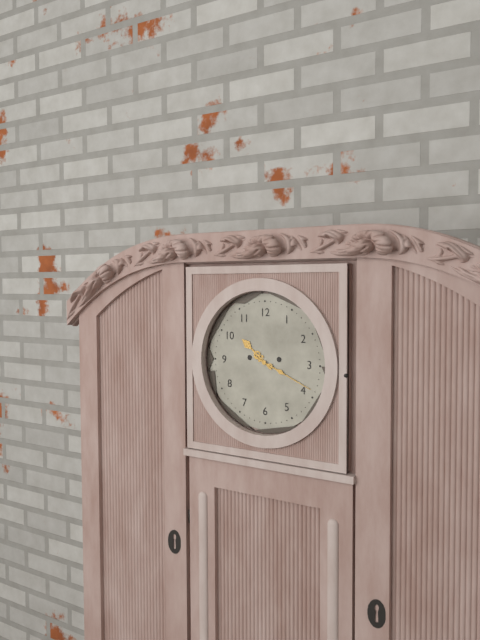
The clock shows h=10 m=19
